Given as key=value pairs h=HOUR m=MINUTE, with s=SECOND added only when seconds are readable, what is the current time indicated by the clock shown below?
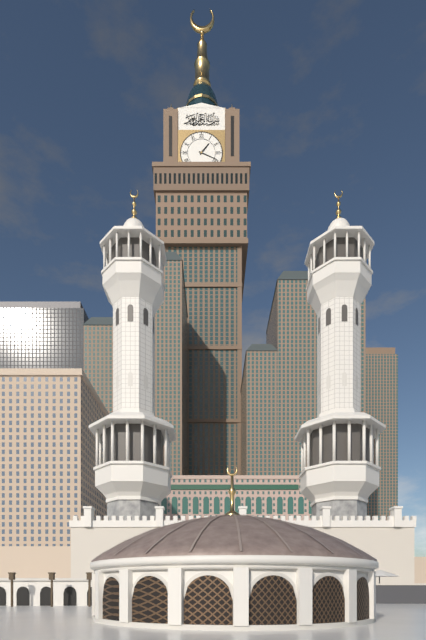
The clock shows h=1 m=19
